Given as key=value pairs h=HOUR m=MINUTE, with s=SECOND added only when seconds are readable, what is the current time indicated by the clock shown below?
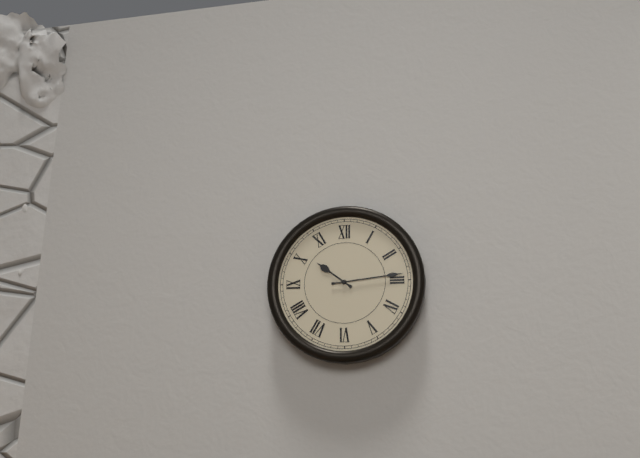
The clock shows h=10 m=14
